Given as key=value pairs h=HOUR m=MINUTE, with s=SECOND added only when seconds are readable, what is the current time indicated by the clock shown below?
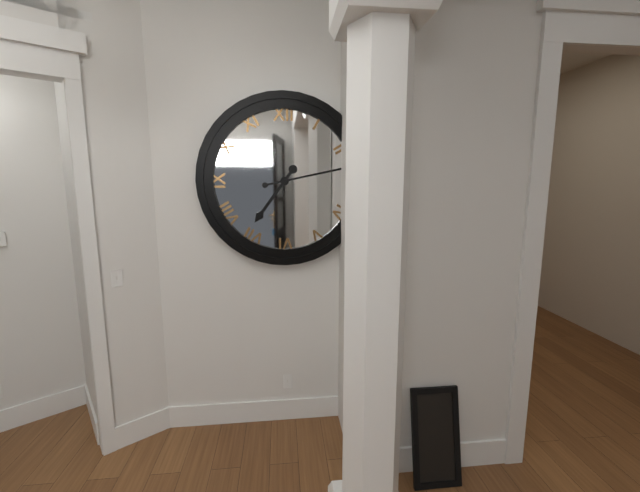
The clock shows h=7 m=13
